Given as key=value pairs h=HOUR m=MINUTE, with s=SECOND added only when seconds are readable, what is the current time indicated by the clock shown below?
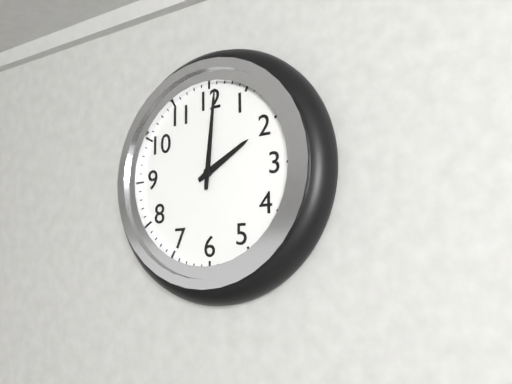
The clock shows h=2 m=1
